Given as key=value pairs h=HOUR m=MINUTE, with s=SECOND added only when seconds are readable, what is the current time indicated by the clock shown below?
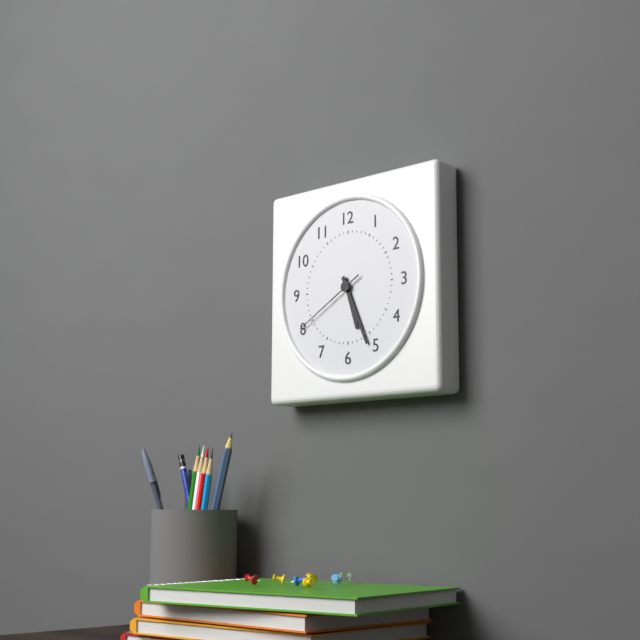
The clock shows h=5 m=26 s=40
